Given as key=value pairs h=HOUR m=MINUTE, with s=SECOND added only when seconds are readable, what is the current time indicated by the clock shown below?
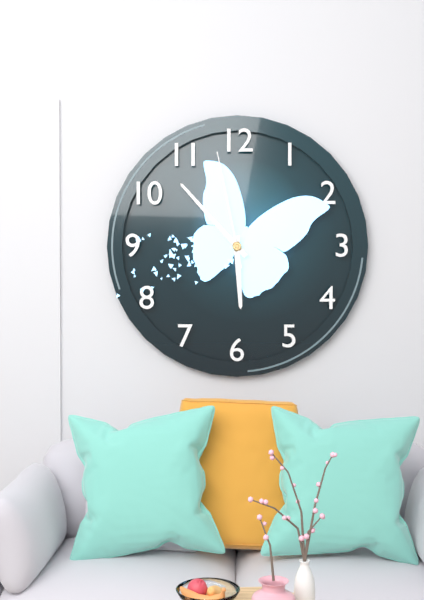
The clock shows h=5 m=53 s=58
